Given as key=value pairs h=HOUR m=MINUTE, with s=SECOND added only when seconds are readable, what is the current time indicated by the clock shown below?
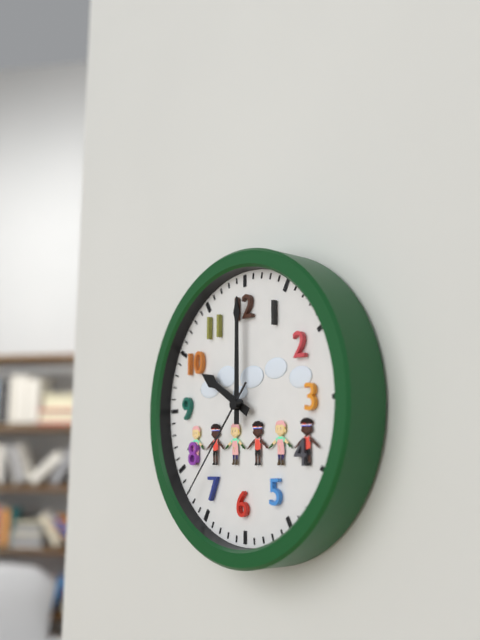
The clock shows h=10 m=0 s=37
